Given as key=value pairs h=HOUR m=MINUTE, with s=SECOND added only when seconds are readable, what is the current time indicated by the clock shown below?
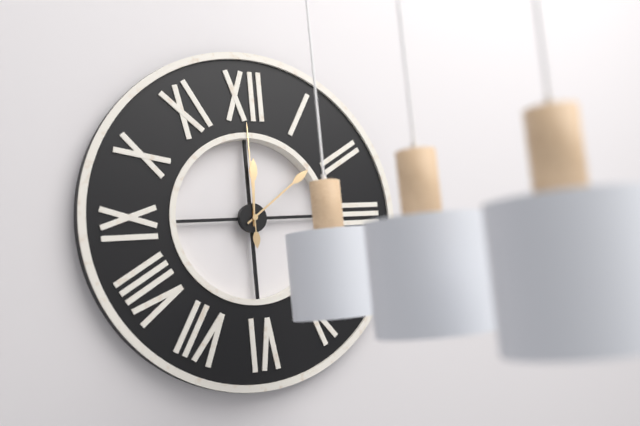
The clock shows h=12 m=9 s=0
